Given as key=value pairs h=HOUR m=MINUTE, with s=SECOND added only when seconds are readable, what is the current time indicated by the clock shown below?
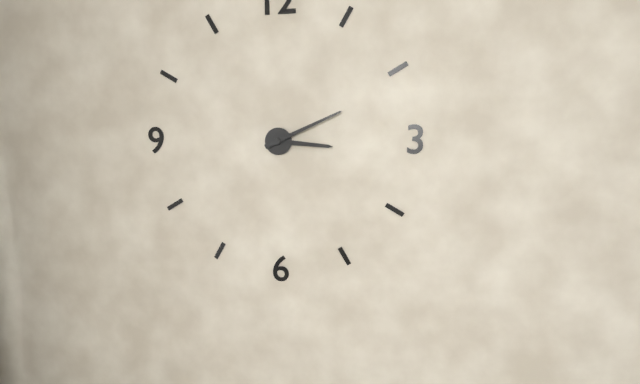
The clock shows h=3 m=11
